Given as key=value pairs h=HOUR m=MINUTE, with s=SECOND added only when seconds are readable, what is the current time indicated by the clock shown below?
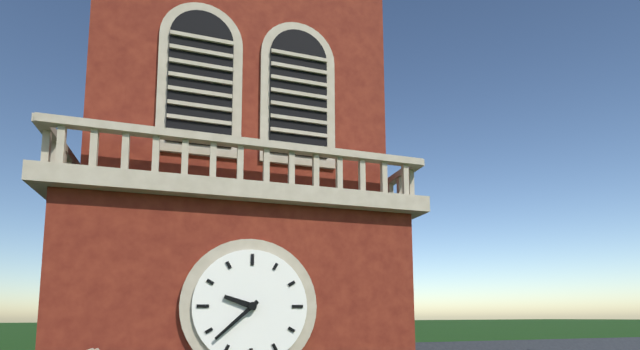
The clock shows h=9 m=38
